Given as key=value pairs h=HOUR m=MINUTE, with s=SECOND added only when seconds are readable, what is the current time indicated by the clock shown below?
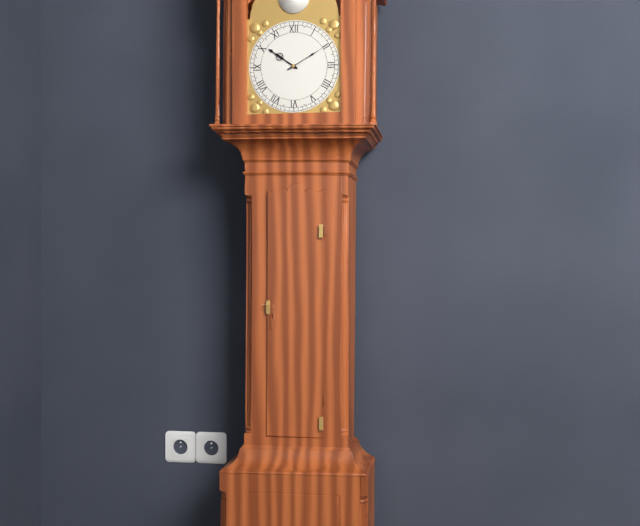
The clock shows h=10 m=10
